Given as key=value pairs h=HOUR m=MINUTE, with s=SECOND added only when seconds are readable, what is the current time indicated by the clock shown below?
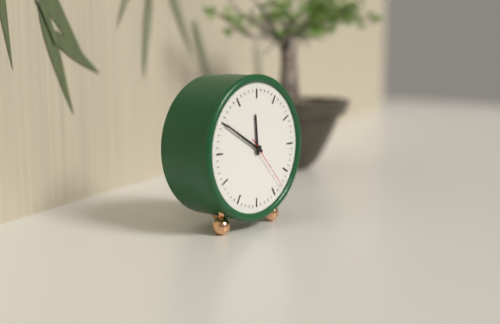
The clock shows h=11 m=50 s=23
